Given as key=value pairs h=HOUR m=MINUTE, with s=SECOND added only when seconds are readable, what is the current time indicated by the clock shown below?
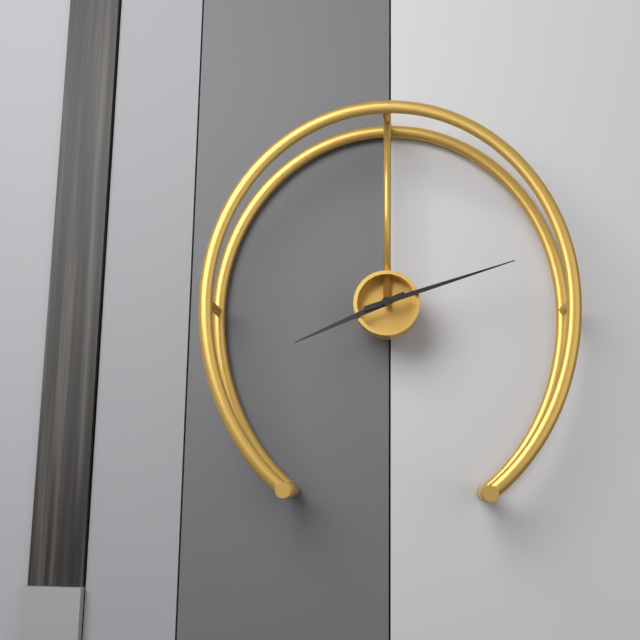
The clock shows h=8 m=12
